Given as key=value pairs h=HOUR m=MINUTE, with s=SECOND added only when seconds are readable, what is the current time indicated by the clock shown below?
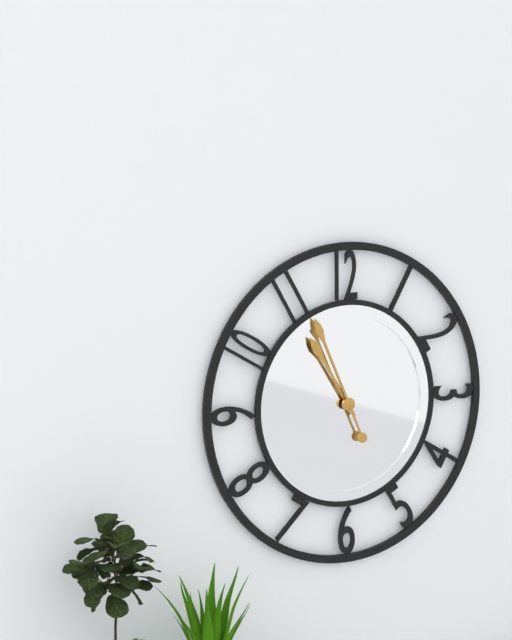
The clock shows h=10 m=56
